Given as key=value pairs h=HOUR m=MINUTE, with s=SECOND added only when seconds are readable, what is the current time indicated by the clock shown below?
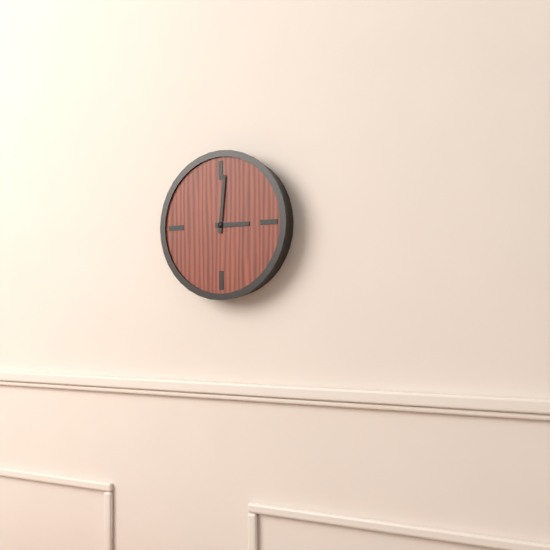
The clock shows h=3 m=1
